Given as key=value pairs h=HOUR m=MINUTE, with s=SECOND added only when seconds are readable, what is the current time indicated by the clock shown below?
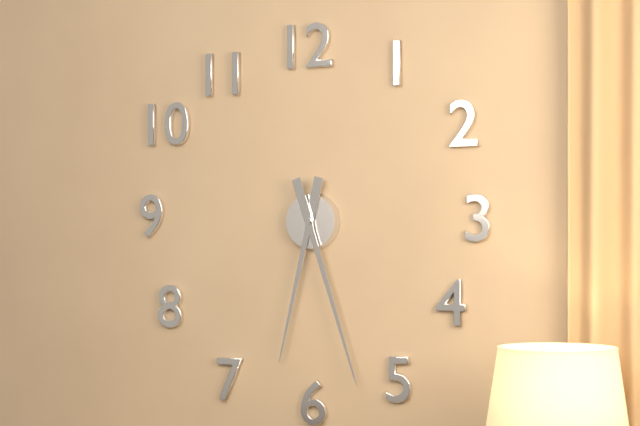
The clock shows h=6 m=27
